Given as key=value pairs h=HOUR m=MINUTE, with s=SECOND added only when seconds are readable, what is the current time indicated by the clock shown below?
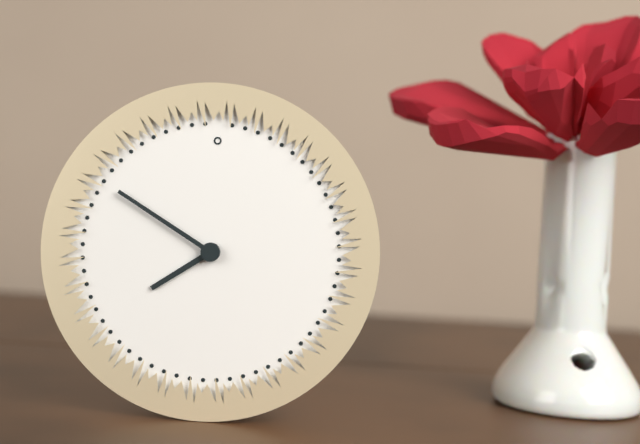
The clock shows h=7 m=50
